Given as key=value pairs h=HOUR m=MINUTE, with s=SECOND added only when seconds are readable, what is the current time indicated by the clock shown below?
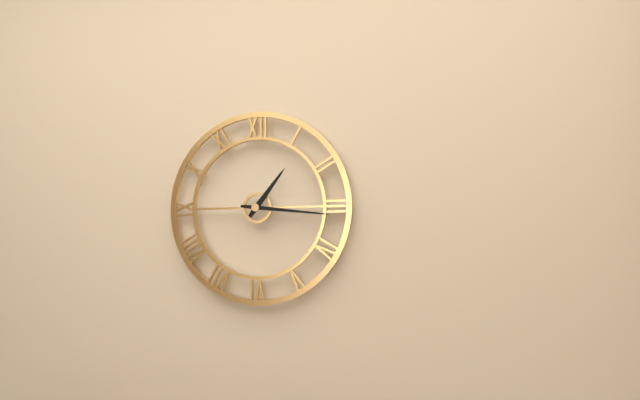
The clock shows h=1 m=16
